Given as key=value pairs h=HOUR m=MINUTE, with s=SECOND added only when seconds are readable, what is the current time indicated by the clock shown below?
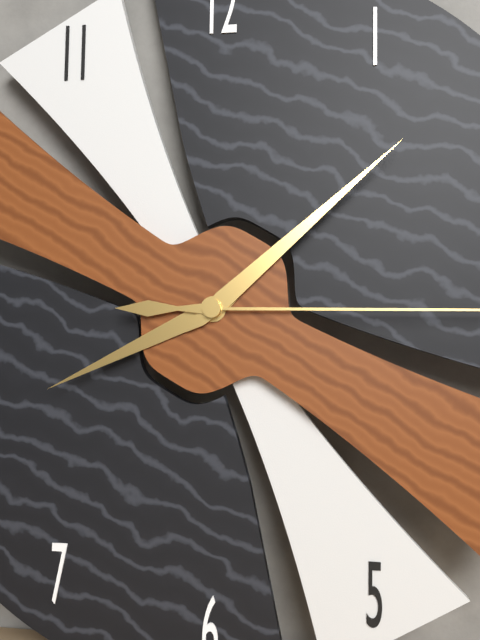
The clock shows h=8 m=8
